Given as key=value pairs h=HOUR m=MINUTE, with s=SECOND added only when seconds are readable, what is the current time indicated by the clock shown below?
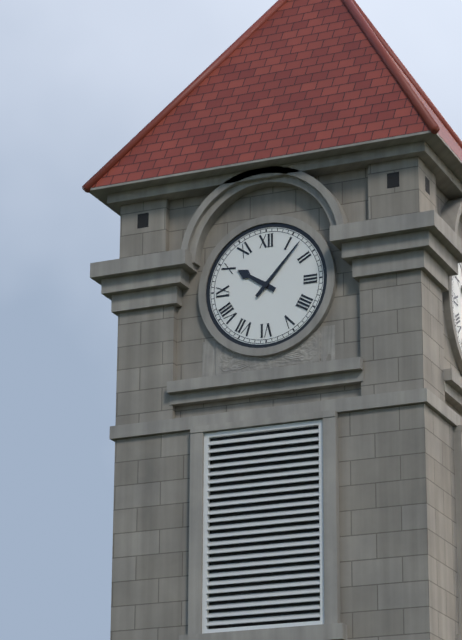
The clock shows h=10 m=7
